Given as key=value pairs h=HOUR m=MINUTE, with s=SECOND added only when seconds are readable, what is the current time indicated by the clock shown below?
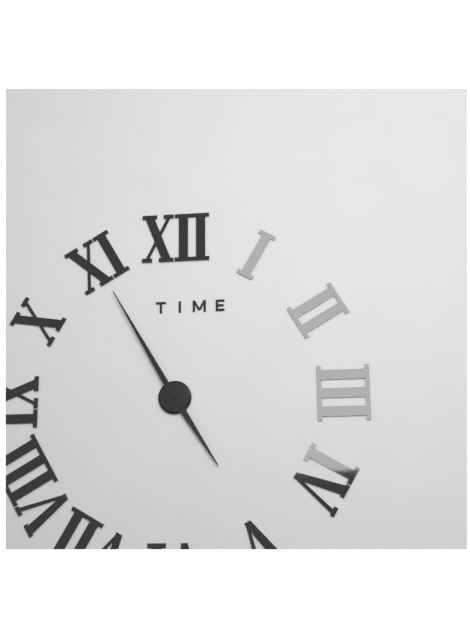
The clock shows h=4 m=55
